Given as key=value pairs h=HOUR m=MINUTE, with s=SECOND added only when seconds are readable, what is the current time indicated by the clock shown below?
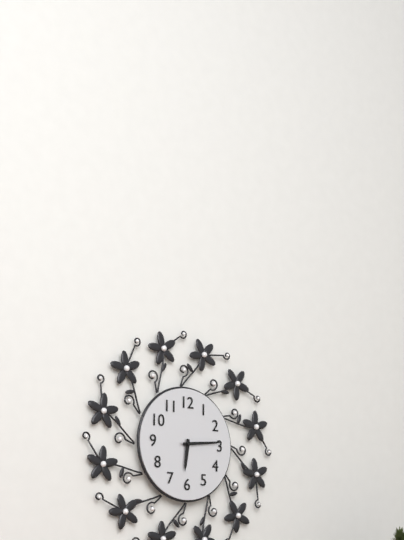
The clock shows h=6 m=14
